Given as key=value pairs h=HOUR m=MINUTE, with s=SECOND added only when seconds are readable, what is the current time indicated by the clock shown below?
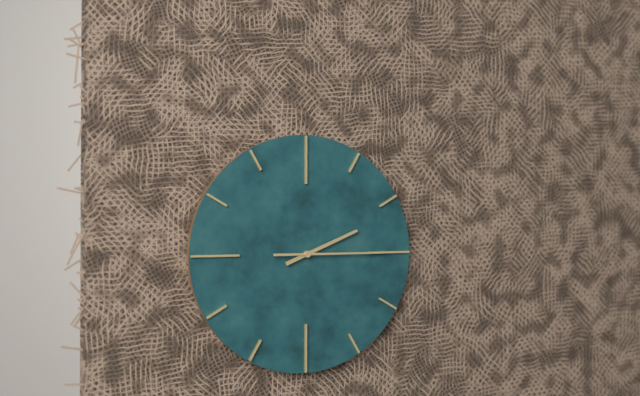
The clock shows h=2 m=15
